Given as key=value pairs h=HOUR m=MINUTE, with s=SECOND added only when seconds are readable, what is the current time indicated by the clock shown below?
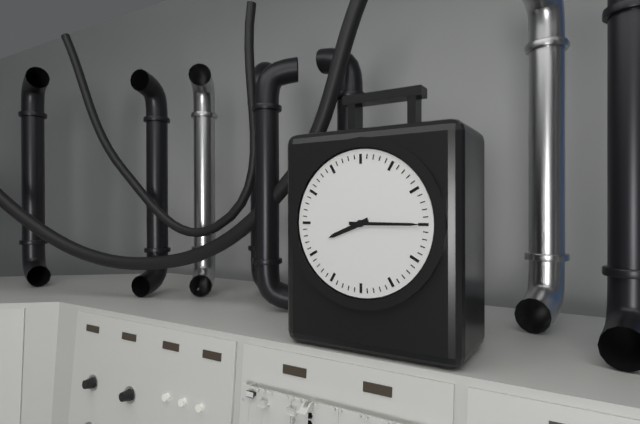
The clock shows h=8 m=15
